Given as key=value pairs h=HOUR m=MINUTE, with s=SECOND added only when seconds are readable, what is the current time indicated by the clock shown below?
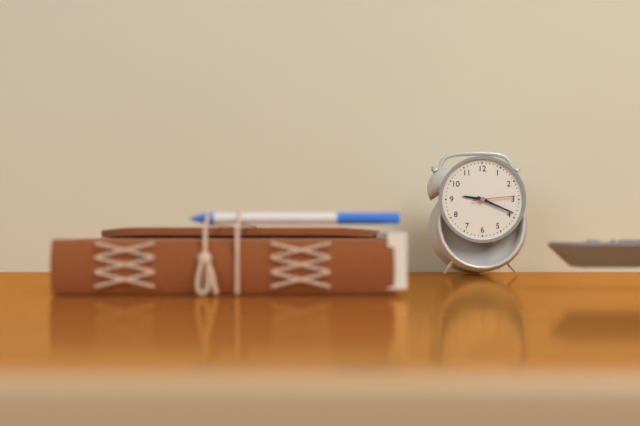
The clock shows h=9 m=19
